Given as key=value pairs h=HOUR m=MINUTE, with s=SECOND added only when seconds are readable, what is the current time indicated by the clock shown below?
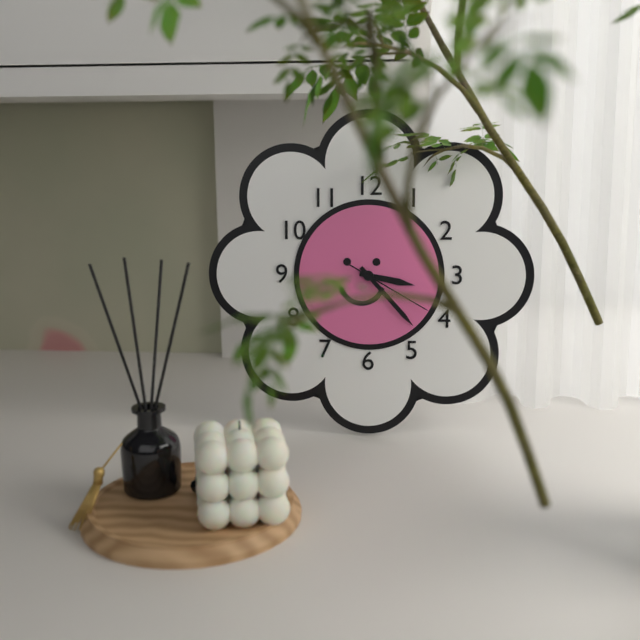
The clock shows h=3 m=23 s=20
